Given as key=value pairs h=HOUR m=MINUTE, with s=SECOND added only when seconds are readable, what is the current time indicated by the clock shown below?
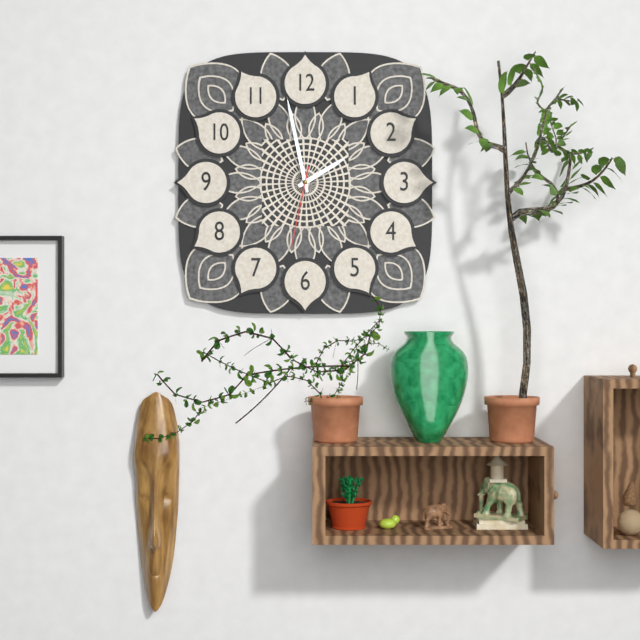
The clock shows h=1 m=58 s=32
